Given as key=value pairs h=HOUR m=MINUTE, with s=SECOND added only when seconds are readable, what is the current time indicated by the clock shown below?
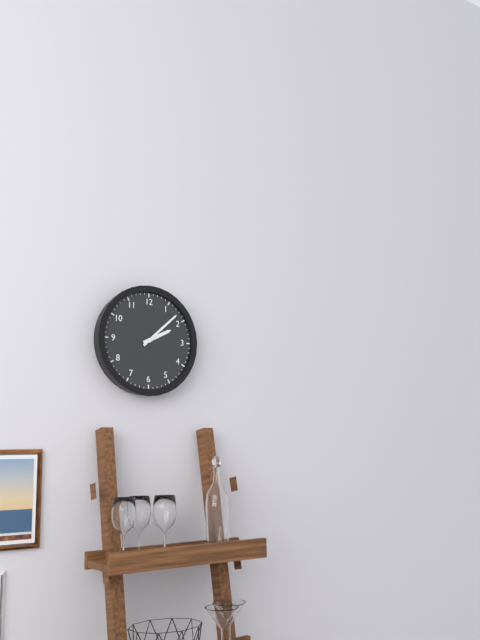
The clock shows h=2 m=8
